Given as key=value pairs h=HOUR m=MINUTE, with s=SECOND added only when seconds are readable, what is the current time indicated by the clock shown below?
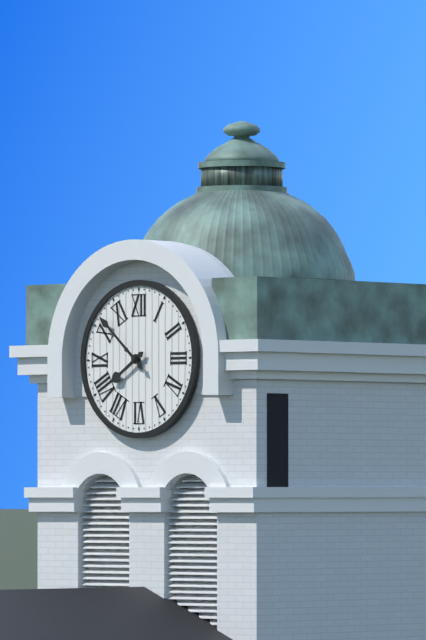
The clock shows h=7 m=52
